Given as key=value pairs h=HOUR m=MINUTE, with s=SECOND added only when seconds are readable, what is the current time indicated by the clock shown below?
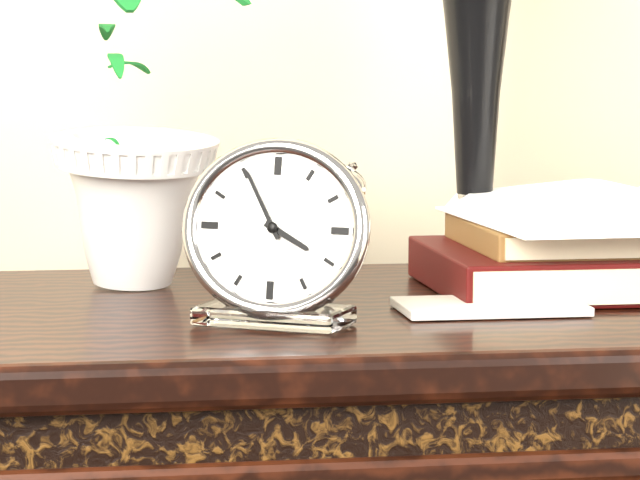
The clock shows h=3 m=55
